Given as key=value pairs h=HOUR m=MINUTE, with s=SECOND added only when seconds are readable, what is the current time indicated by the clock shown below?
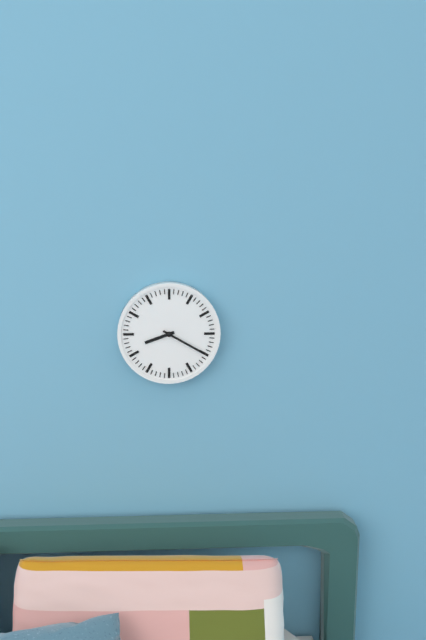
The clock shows h=8 m=20
